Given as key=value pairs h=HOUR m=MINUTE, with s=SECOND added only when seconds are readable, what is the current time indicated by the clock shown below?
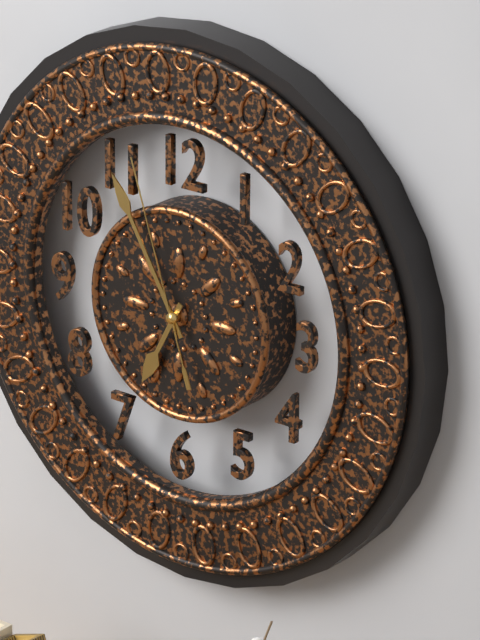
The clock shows h=6 m=55 s=57
